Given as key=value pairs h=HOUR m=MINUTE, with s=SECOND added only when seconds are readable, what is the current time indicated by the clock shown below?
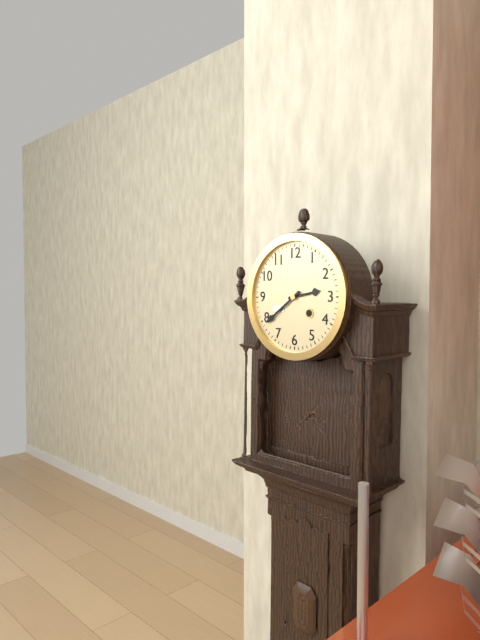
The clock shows h=2 m=39
